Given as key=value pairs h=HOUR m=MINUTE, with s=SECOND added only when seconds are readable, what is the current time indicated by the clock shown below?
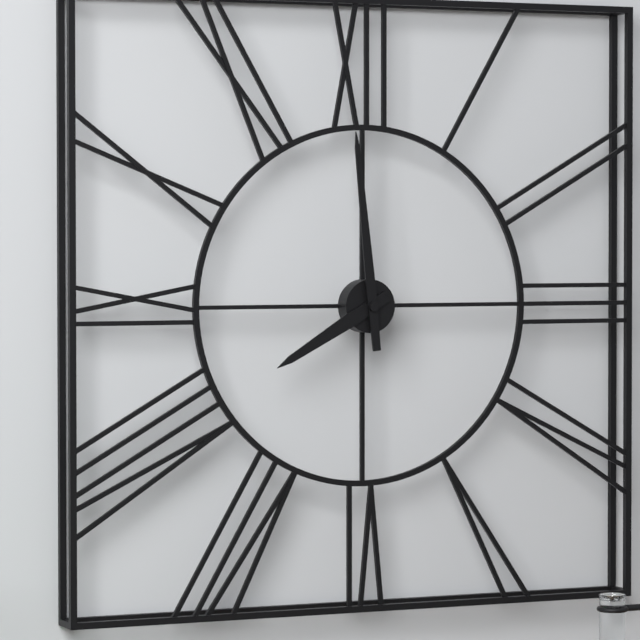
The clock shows h=7 m=59
